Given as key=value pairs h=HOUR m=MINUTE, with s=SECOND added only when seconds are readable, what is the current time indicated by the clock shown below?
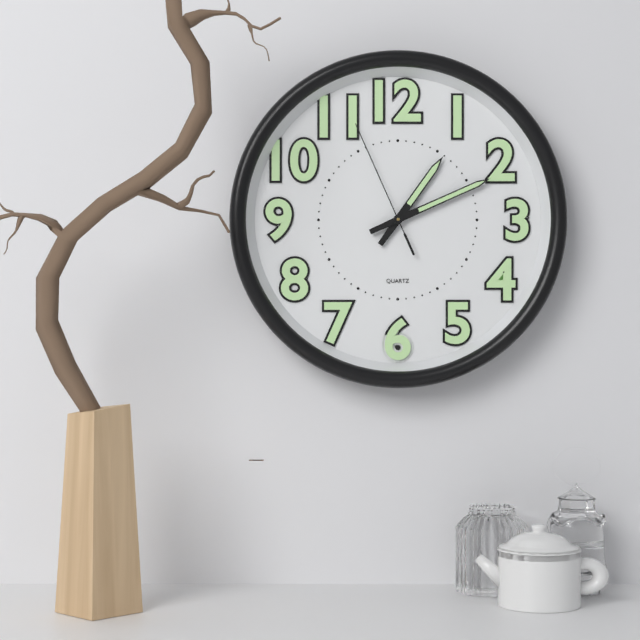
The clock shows h=1 m=11 s=56
